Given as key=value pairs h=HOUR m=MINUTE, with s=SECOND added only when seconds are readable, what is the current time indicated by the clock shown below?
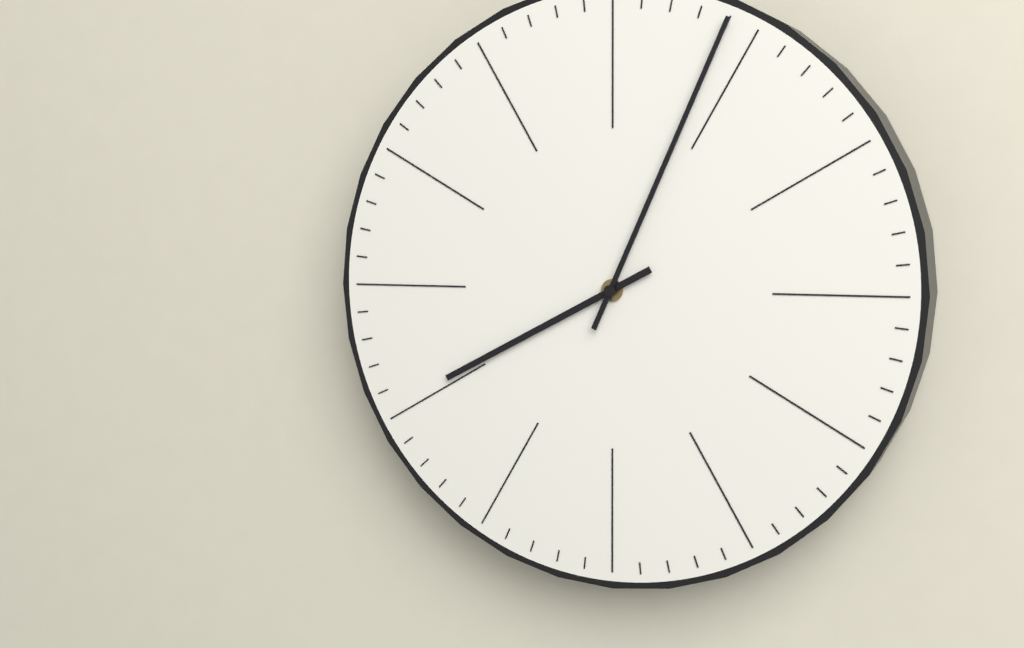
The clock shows h=8 m=4
